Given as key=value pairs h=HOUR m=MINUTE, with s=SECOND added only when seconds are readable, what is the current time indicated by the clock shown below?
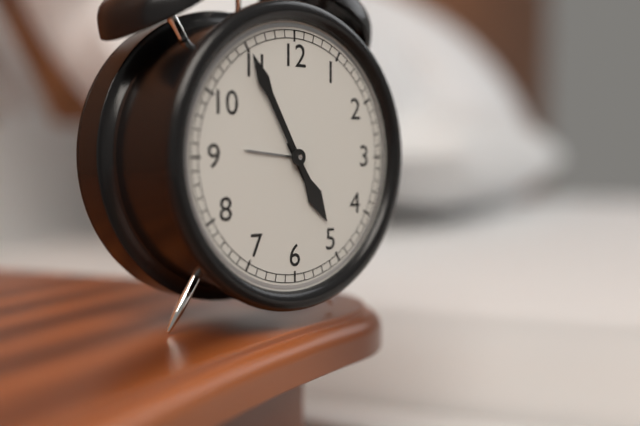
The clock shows h=4 m=55
